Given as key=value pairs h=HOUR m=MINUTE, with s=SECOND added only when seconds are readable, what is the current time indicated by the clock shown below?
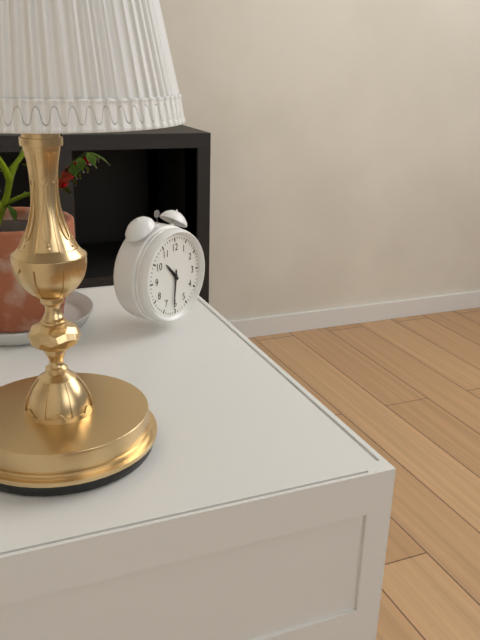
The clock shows h=10 m=31
